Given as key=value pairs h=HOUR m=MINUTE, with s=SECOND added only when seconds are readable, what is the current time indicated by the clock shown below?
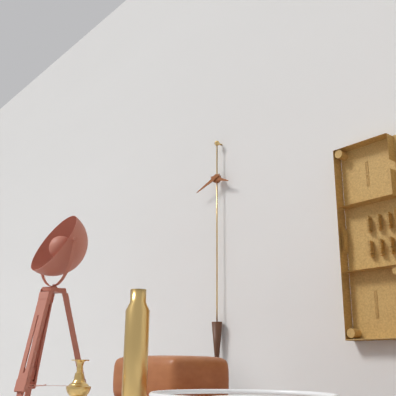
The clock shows h=3 m=42
